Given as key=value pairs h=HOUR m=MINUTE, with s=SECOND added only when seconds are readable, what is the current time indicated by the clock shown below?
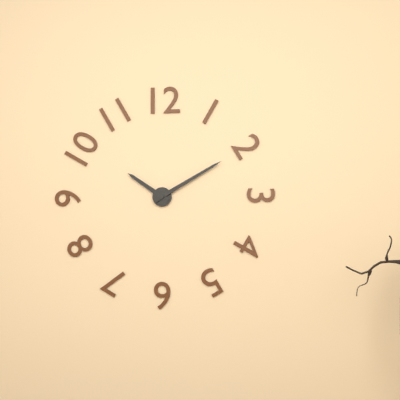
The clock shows h=10 m=10
